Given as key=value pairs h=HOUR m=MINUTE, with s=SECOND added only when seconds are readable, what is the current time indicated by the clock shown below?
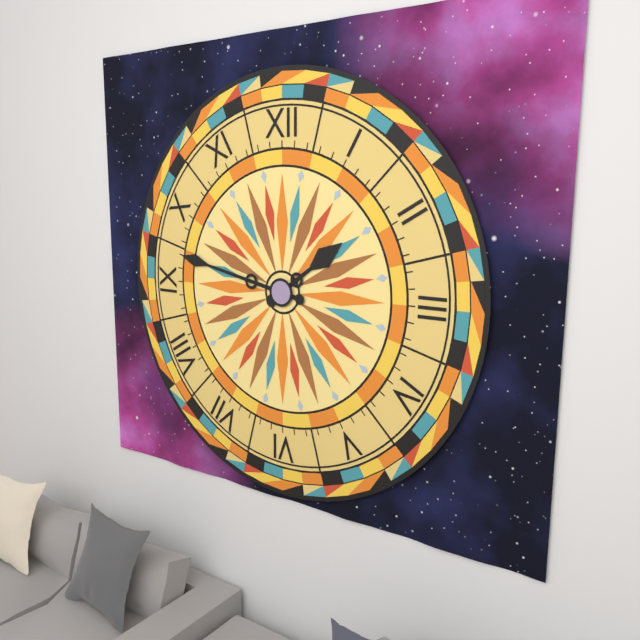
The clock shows h=1 m=47
